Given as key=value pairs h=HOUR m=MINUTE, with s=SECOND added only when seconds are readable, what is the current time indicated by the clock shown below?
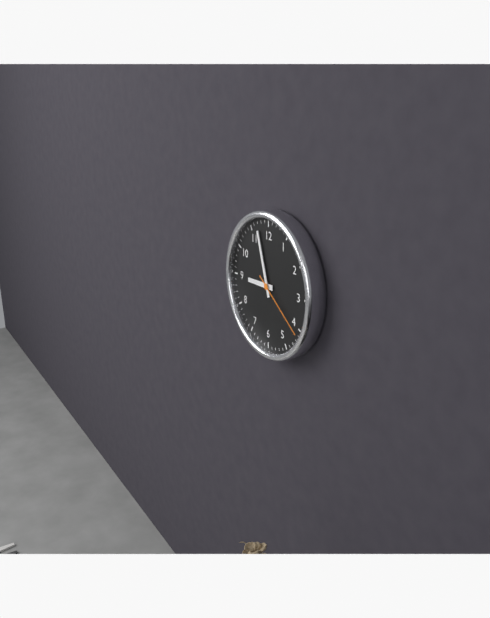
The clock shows h=8 m=57 s=21
